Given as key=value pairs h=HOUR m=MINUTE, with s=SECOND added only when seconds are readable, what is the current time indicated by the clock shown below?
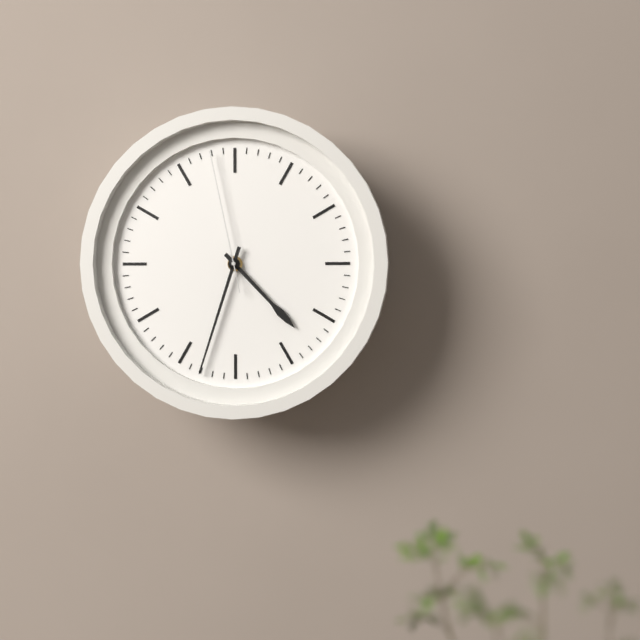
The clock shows h=4 m=33 s=58
